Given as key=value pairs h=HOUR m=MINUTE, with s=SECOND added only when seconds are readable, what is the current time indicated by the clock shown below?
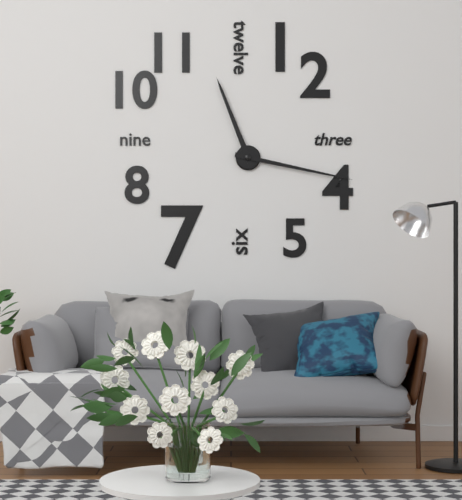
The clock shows h=11 m=17
